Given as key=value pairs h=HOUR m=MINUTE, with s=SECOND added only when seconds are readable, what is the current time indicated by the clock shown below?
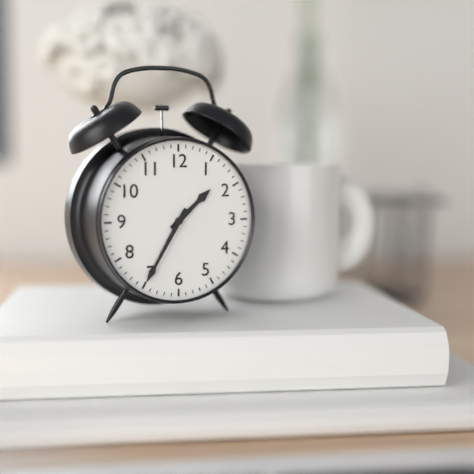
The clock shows h=1 m=35
